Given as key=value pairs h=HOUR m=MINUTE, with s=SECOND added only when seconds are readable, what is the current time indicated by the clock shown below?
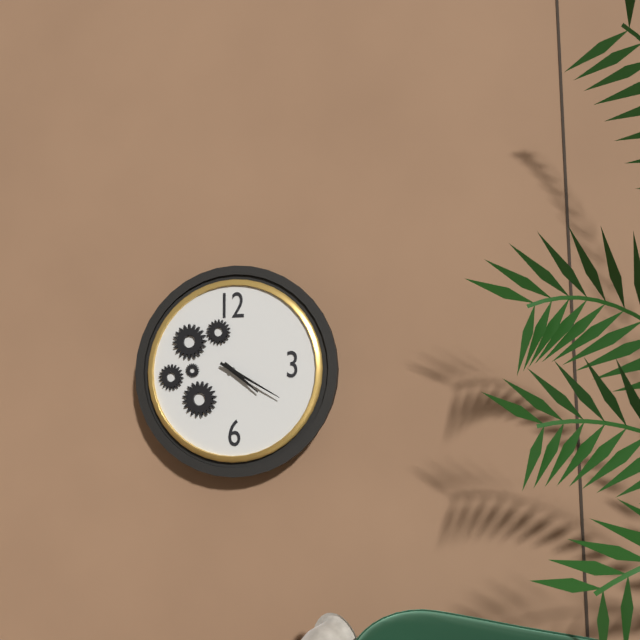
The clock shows h=4 m=20
